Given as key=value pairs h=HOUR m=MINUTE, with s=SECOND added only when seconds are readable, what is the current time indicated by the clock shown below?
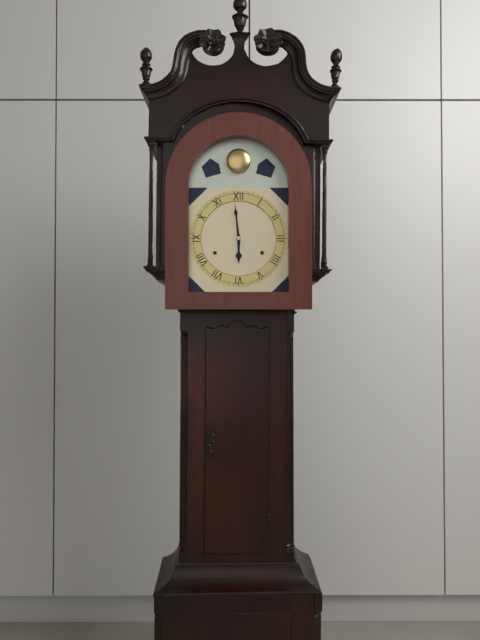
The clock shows h=5 m=59
